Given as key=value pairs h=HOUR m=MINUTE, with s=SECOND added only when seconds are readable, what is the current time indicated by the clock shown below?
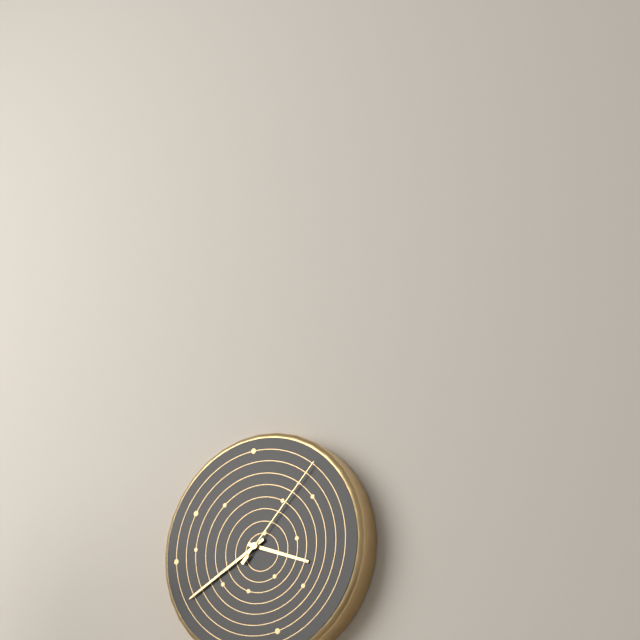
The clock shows h=3 m=40 s=7
